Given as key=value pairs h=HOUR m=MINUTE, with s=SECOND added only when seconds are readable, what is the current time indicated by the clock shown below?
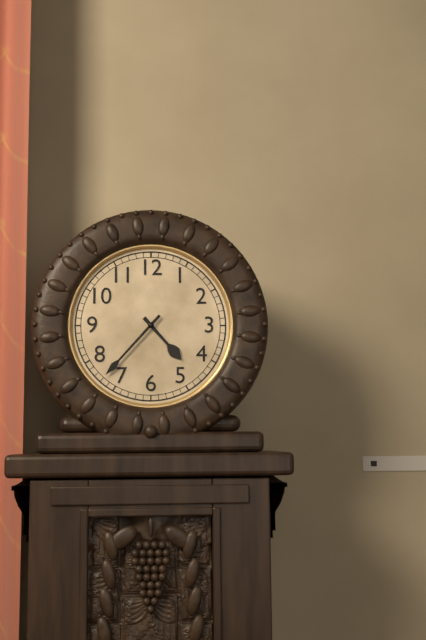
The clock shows h=4 m=37
